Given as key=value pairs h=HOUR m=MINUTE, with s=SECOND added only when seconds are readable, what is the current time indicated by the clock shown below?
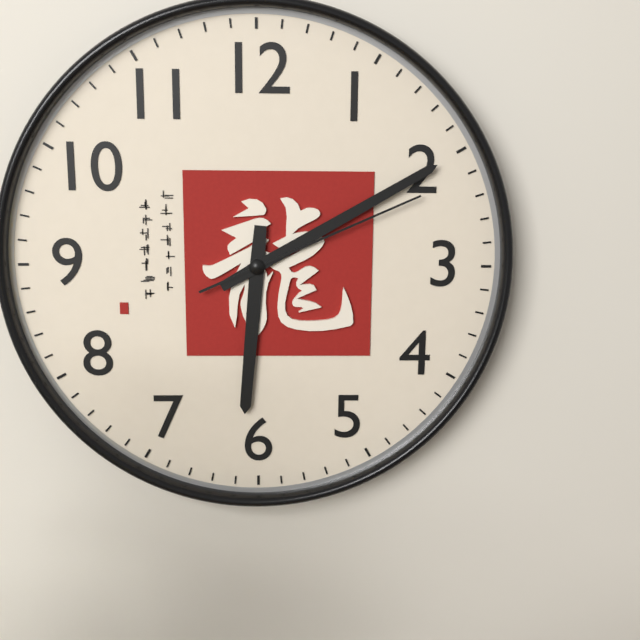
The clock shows h=6 m=10 s=11
